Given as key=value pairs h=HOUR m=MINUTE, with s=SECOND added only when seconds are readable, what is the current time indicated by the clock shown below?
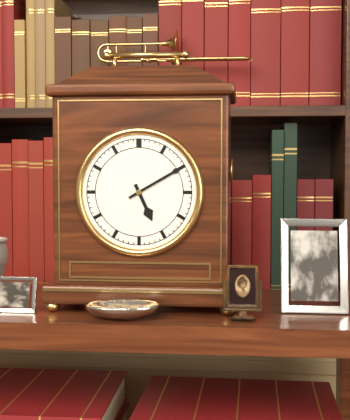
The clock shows h=5 m=10
